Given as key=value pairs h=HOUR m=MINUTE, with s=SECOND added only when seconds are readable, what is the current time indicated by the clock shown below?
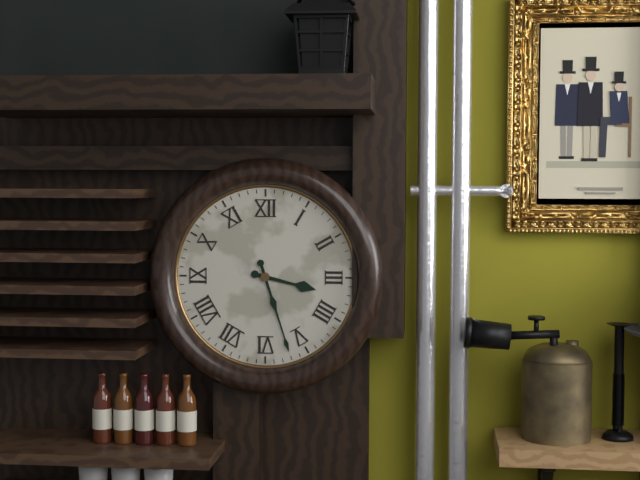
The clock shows h=3 m=27
